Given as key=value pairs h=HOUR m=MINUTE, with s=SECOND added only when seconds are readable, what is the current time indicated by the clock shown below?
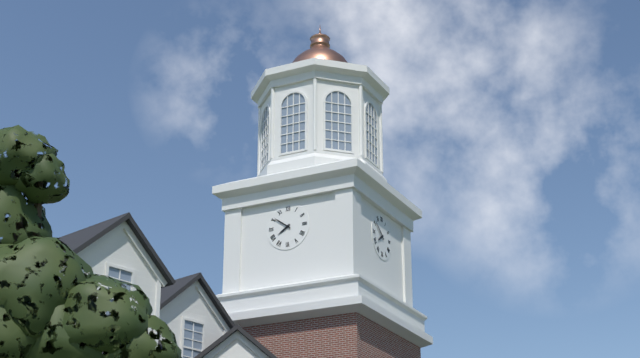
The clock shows h=7 m=51
